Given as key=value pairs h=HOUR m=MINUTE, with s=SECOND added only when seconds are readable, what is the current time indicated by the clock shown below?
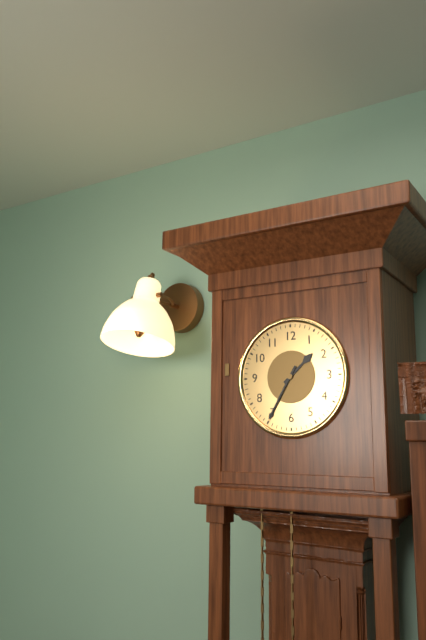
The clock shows h=1 m=35
